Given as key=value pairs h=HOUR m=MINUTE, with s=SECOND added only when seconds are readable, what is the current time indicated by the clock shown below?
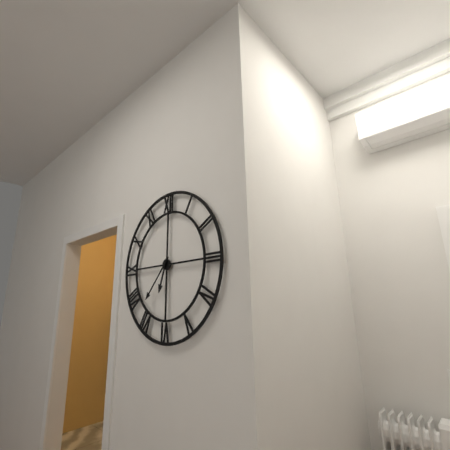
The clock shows h=6 m=37
